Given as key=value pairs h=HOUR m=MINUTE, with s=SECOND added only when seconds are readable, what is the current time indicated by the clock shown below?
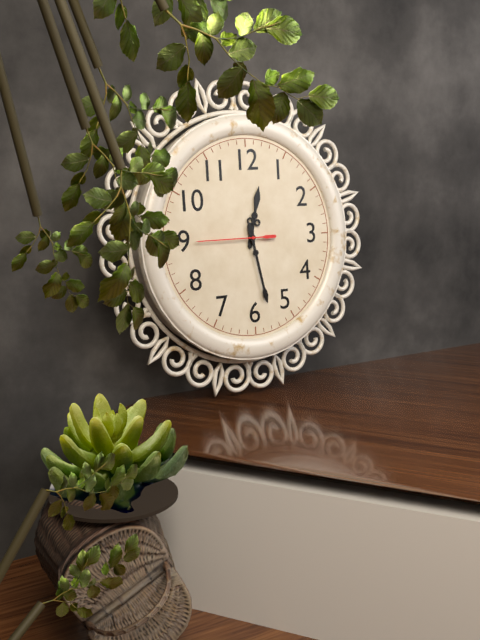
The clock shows h=12 m=28 s=45
